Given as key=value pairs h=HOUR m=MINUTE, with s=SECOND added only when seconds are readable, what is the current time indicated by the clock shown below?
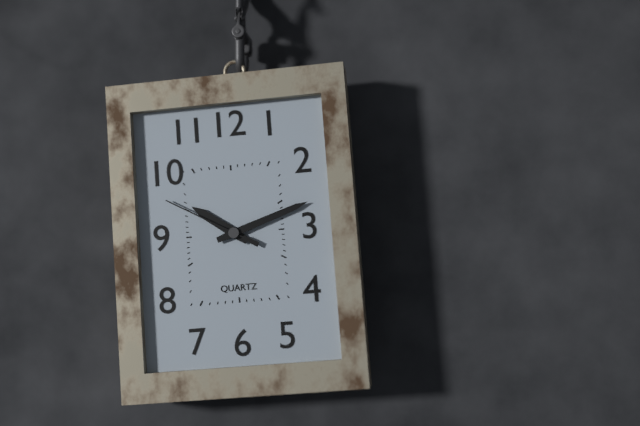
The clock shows h=10 m=12 s=50
